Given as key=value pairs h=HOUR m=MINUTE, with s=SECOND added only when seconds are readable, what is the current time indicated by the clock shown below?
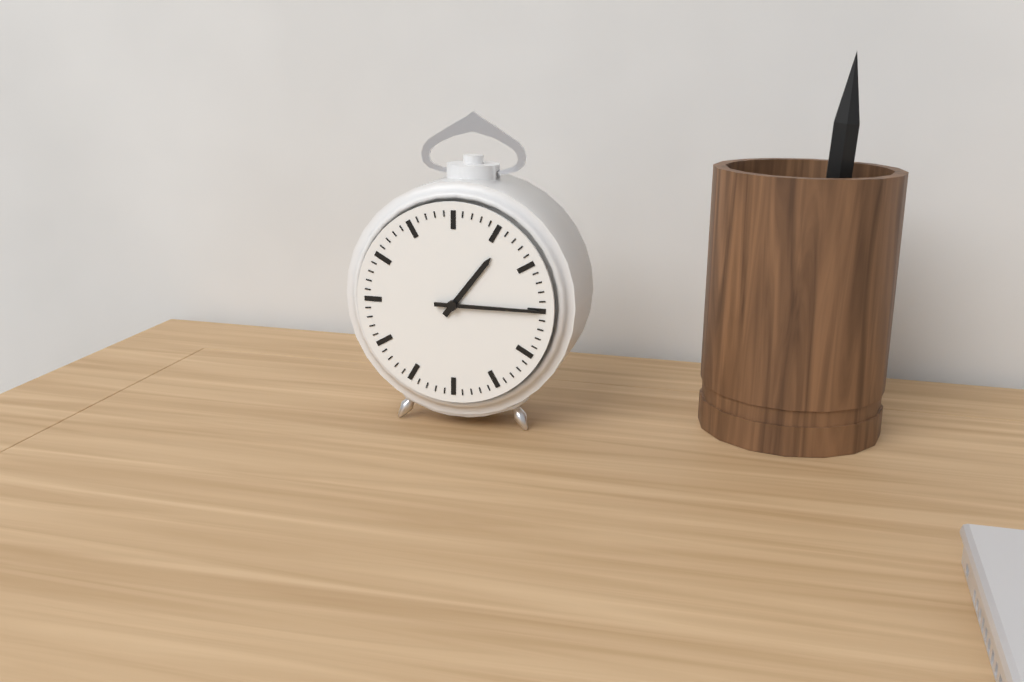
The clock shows h=1 m=15
